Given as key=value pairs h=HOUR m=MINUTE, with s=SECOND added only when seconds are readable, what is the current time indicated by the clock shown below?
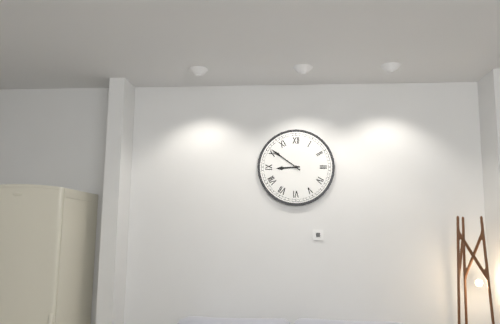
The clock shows h=8 m=51
